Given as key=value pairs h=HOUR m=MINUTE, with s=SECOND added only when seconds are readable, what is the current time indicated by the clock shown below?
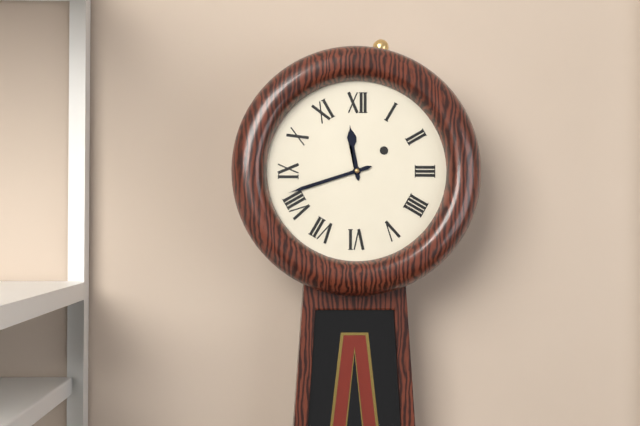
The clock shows h=11 m=42
